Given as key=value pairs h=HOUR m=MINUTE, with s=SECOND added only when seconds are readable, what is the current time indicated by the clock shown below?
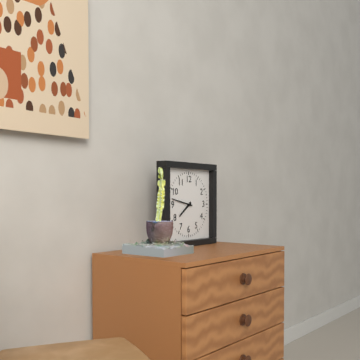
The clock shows h=7 m=47
